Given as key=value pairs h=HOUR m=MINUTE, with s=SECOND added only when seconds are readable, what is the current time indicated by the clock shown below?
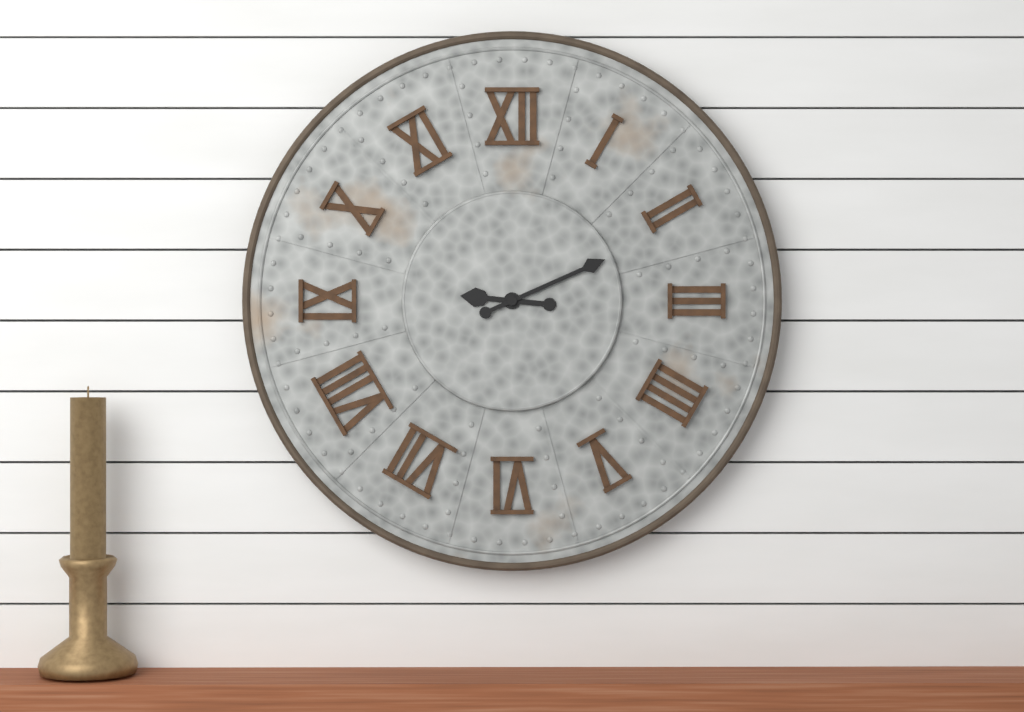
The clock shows h=9 m=11
